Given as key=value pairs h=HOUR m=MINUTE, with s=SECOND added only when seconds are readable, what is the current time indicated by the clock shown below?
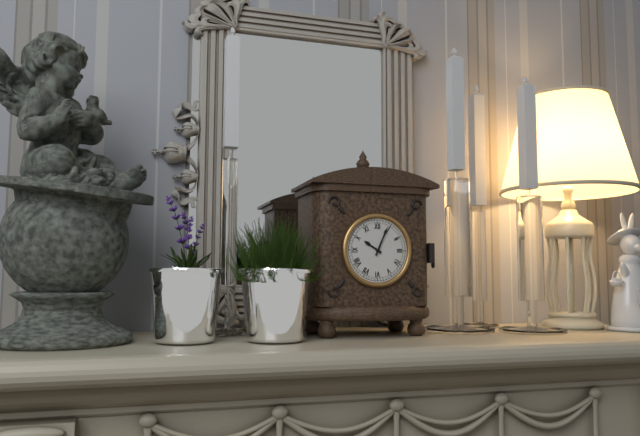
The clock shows h=10 m=4
